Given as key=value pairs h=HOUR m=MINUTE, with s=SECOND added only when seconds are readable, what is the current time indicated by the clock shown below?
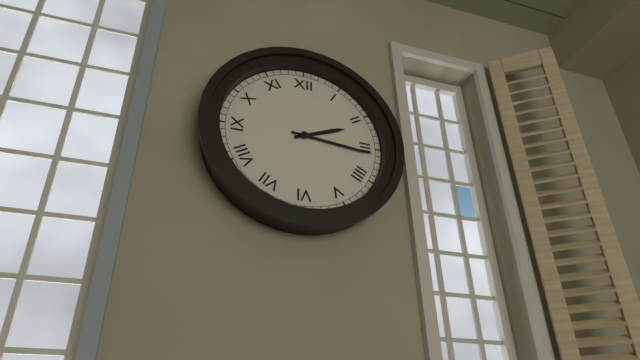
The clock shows h=2 m=16
